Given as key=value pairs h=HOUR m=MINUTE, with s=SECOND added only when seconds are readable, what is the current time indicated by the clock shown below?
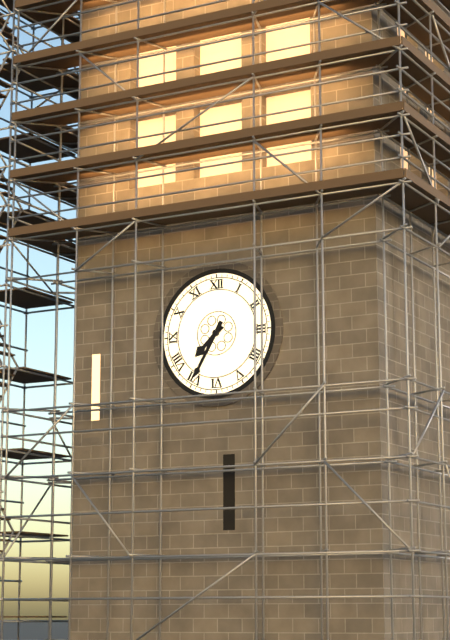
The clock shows h=7 m=35
